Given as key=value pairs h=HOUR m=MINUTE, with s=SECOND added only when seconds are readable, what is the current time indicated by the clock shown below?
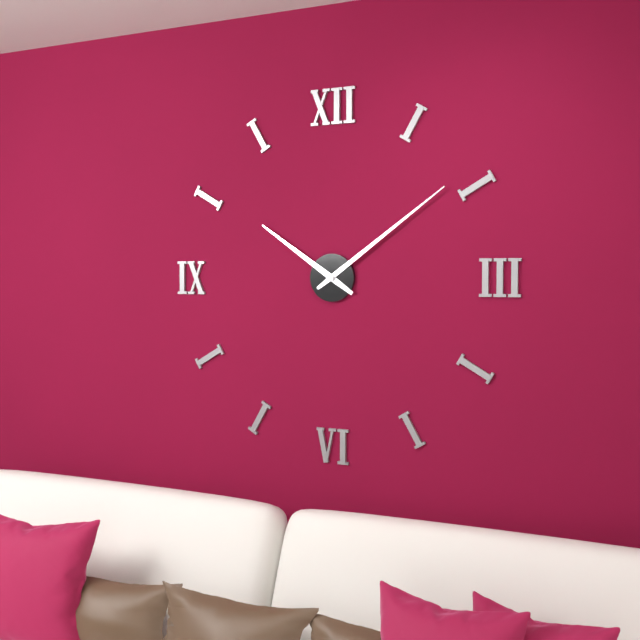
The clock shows h=10 m=9
